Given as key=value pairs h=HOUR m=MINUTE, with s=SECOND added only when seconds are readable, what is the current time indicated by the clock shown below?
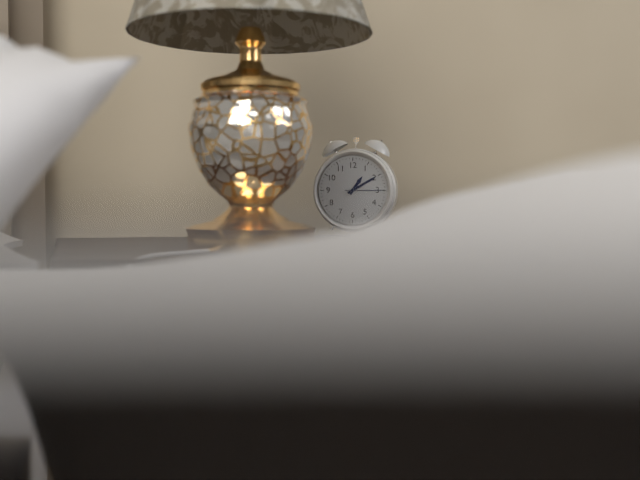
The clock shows h=1 m=10
